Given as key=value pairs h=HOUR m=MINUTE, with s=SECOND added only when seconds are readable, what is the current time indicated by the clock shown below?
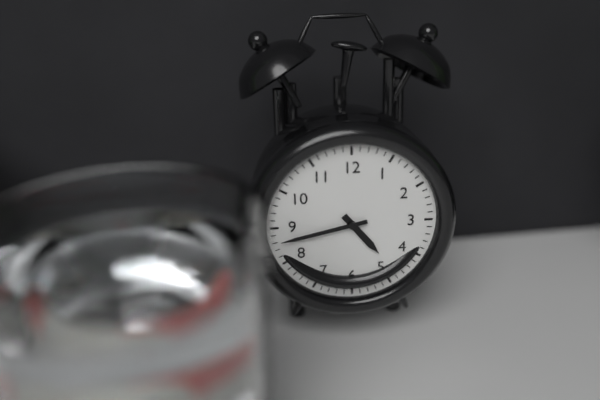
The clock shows h=4 m=43
